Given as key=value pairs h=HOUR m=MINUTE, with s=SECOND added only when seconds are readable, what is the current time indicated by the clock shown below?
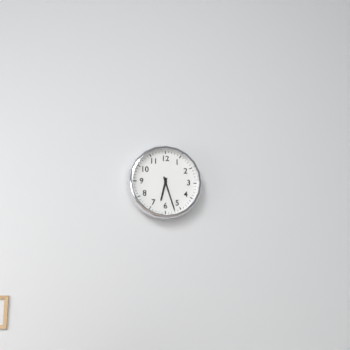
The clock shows h=6 m=27
